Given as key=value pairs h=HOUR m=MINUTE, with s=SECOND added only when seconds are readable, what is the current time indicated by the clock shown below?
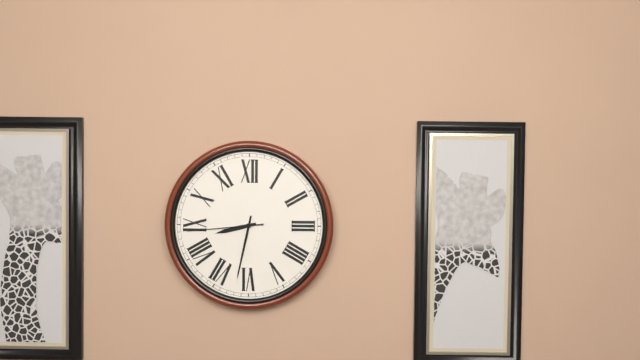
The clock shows h=8 m=32 s=44
